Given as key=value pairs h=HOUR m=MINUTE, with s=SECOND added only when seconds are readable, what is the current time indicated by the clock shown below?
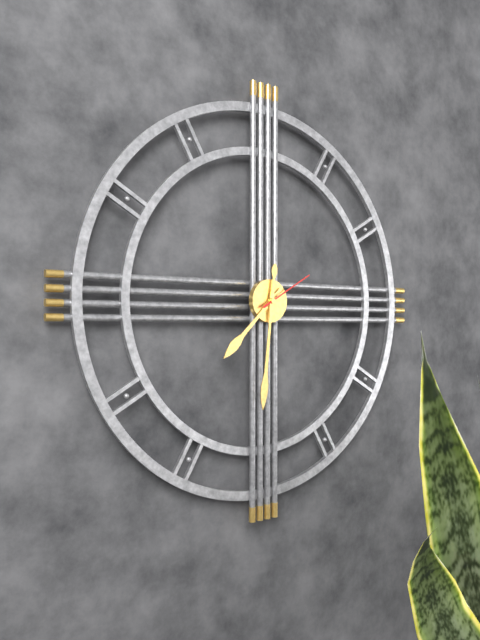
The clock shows h=7 m=31 s=10
